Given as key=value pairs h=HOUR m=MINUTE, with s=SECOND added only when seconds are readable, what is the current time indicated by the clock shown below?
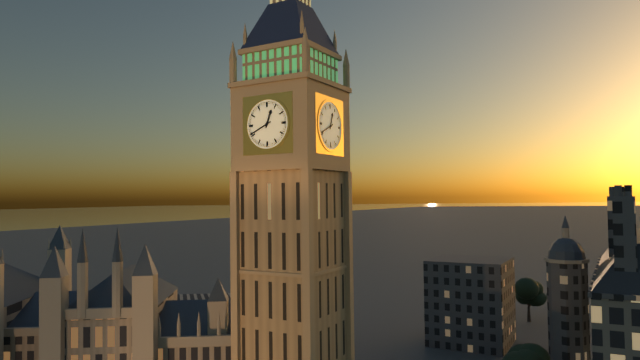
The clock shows h=12 m=41
